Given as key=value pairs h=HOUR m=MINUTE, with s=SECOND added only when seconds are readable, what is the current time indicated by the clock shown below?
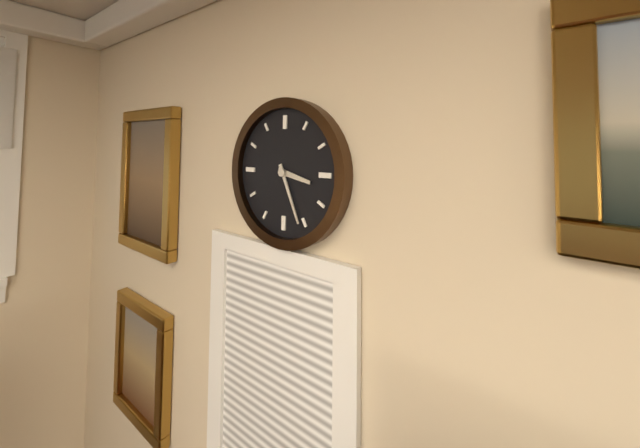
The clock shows h=3 m=26
